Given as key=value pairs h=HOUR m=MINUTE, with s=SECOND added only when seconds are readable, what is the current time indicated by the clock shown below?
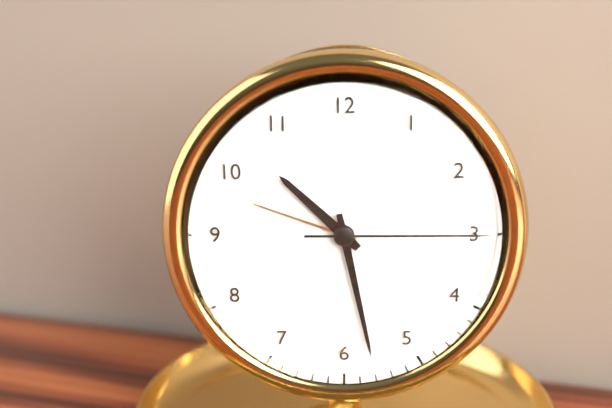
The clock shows h=10 m=28 s=15
